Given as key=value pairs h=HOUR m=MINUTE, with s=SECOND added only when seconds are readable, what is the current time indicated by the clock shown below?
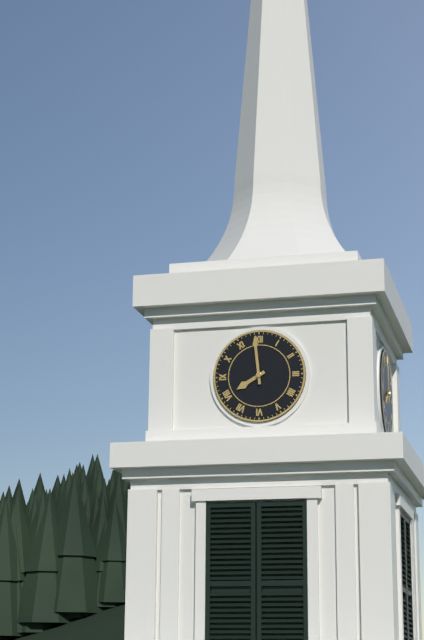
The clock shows h=7 m=59
